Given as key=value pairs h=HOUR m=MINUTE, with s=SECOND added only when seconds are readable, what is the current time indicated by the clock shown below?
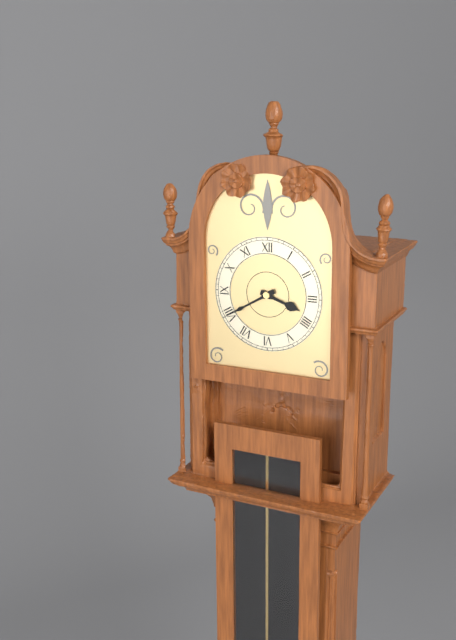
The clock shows h=3 m=40
